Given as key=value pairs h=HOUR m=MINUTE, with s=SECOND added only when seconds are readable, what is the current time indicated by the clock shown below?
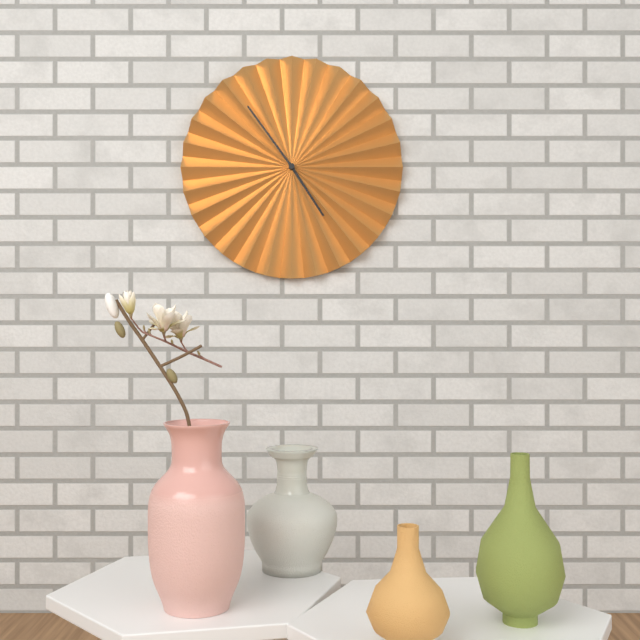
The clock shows h=4 m=54
